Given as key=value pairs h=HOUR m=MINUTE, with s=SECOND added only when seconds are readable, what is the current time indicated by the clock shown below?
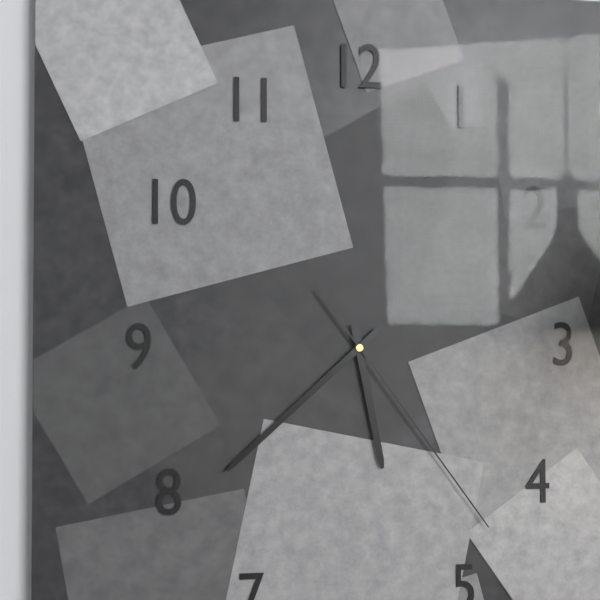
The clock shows h=5 m=38 s=24
